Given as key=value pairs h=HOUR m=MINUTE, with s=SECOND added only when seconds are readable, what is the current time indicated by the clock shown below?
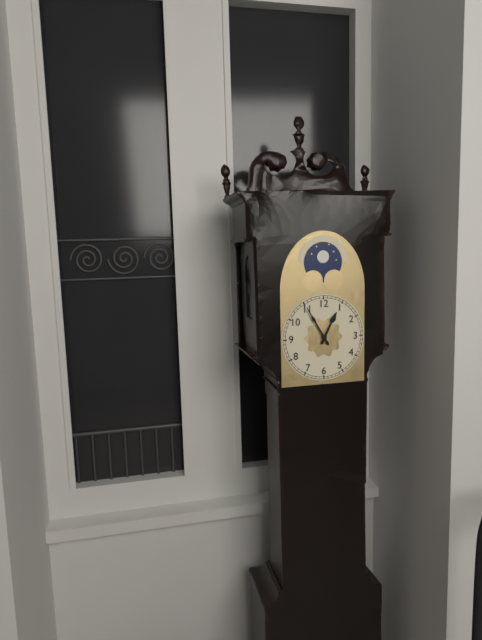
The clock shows h=12 m=55
